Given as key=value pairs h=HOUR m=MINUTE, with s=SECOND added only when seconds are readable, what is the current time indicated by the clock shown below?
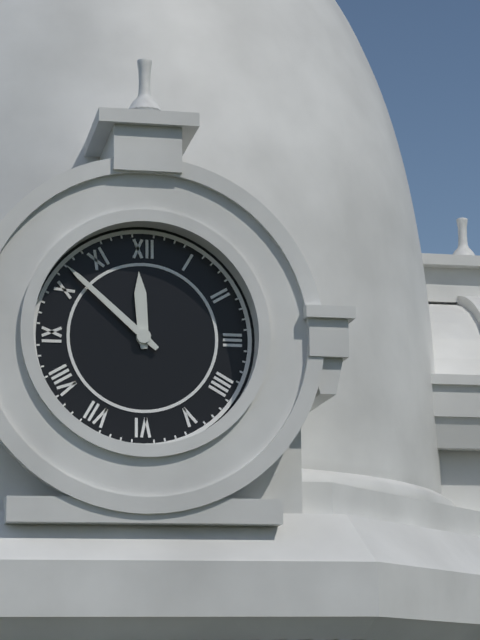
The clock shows h=11 m=52
